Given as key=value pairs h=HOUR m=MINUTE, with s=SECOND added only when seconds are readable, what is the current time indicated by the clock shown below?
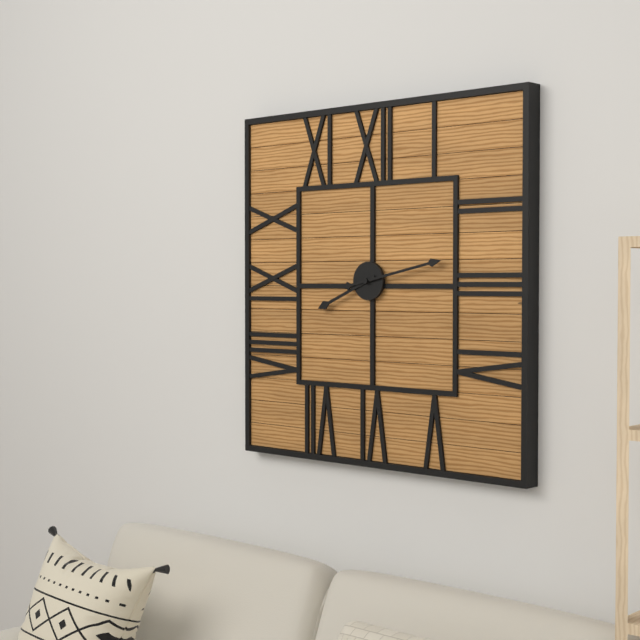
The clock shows h=8 m=13
